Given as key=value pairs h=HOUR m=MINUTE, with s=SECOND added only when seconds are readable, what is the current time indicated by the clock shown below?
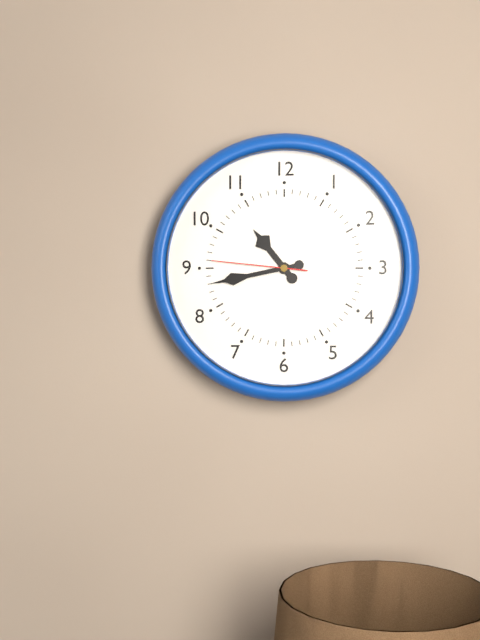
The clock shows h=10 m=43 s=46
